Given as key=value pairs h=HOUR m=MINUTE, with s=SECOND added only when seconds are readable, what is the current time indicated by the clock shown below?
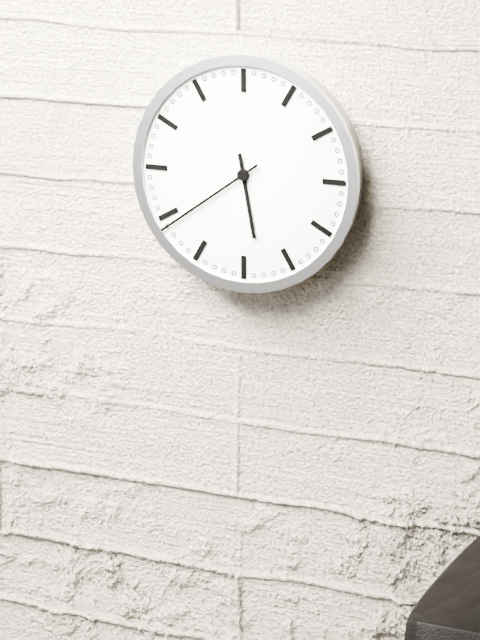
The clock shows h=5 m=39
